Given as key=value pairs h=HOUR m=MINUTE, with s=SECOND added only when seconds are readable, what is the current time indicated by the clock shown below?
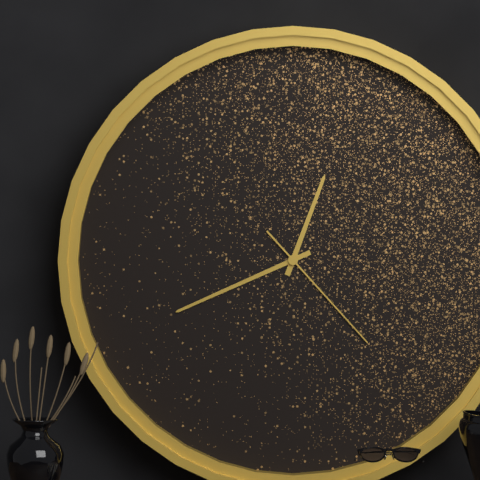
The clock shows h=12 m=41 s=23
